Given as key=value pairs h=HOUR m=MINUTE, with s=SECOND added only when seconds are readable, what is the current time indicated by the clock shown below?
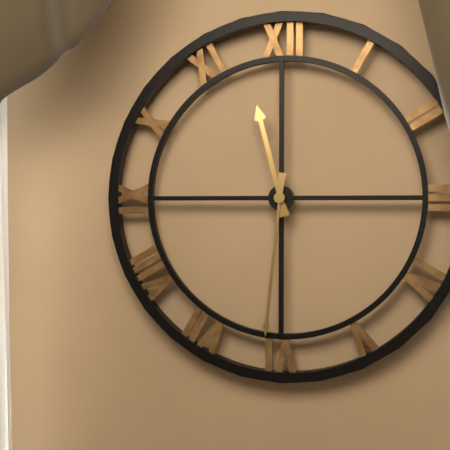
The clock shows h=11 m=31
